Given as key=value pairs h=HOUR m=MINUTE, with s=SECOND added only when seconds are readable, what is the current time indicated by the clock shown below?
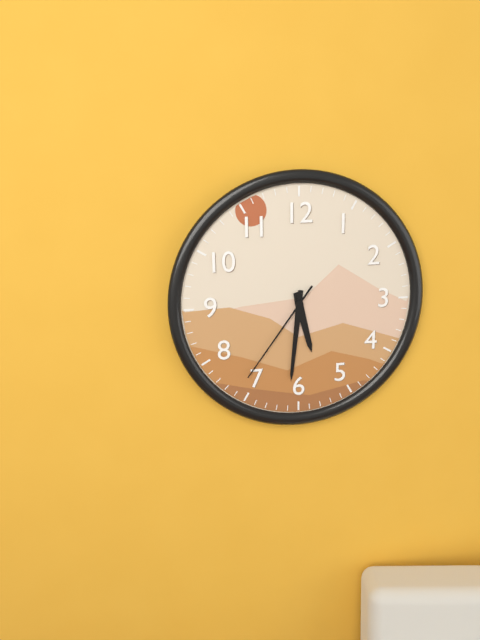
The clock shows h=5 m=31 s=36
